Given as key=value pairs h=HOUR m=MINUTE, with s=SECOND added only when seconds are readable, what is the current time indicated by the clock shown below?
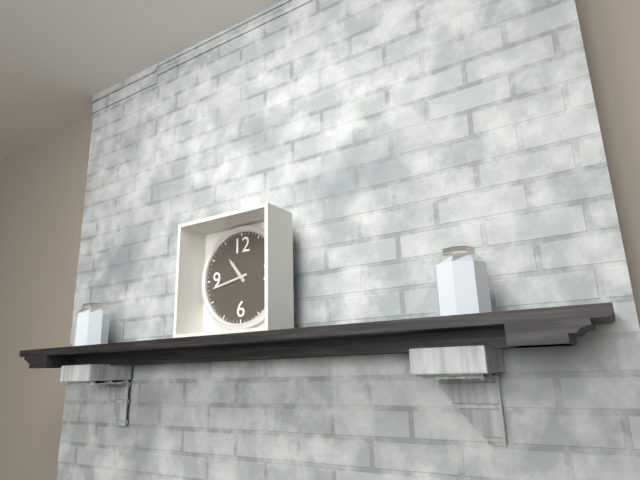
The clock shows h=10 m=43
